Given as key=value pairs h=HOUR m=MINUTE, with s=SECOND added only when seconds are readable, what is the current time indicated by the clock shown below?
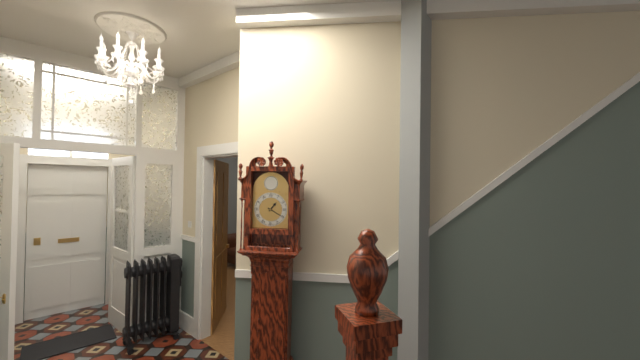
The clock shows h=1 m=20
